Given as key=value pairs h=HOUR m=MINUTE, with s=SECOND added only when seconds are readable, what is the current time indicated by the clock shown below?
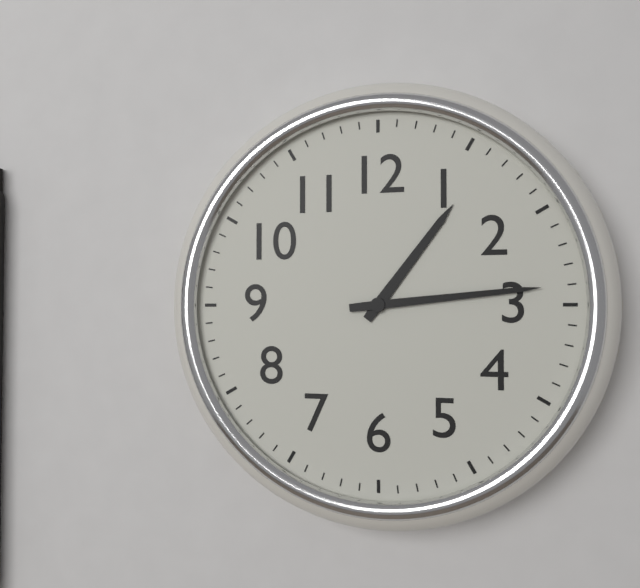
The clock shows h=1 m=14
